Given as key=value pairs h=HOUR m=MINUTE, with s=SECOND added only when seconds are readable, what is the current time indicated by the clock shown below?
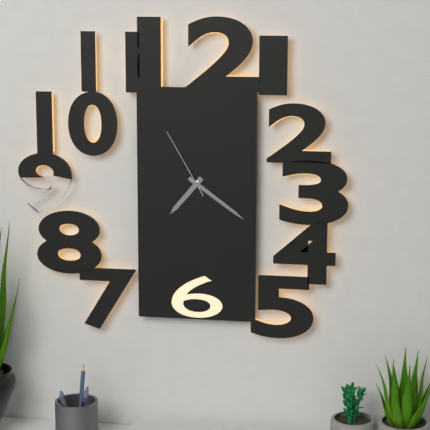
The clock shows h=7 m=21 s=55
